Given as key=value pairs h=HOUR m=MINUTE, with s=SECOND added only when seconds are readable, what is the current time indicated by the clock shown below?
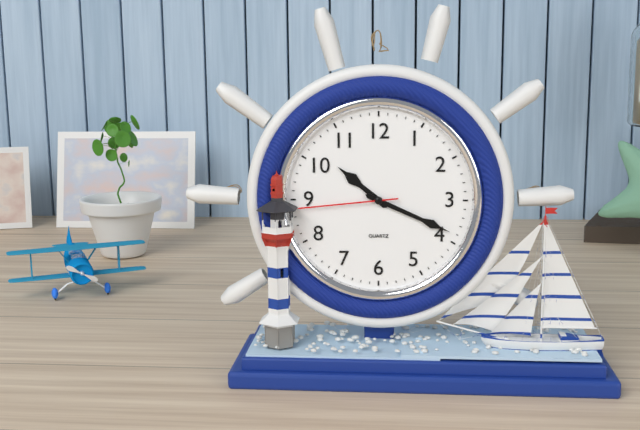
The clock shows h=10 m=19 s=44
